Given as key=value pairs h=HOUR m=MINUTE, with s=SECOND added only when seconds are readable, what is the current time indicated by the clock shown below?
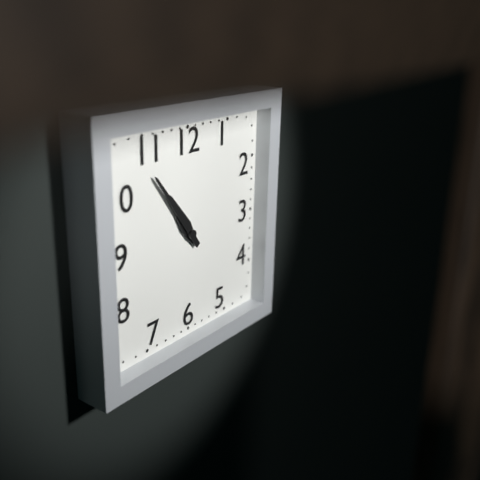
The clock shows h=10 m=54
